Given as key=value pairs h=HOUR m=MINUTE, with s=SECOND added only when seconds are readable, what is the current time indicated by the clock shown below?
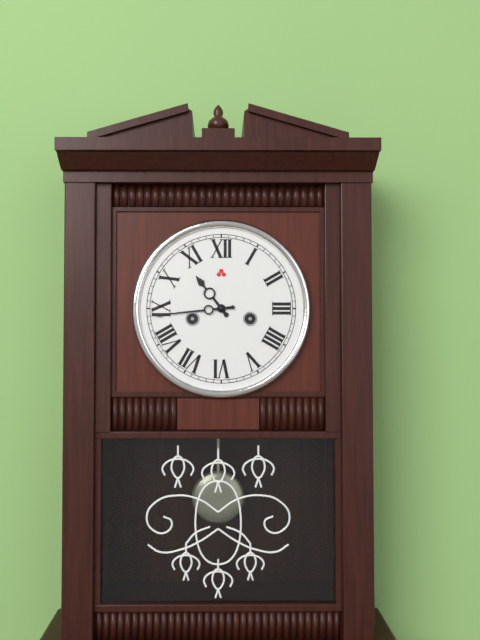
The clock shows h=10 m=44
